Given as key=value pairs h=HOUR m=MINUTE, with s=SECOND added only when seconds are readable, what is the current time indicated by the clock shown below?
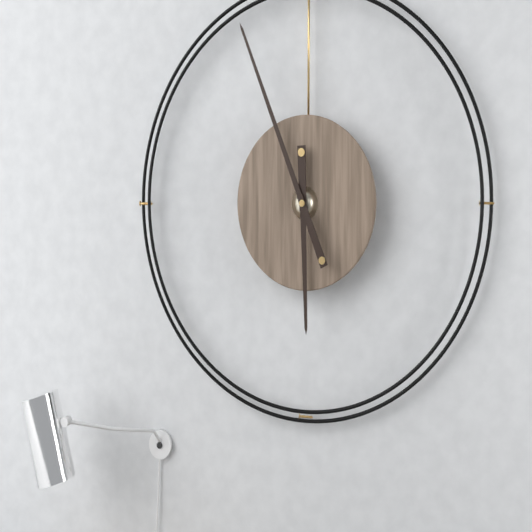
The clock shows h=5 m=56
